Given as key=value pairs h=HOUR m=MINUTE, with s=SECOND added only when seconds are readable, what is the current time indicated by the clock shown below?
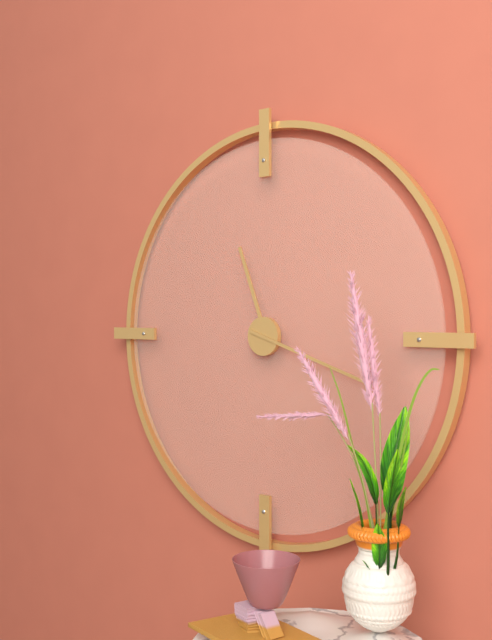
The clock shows h=11 m=18
